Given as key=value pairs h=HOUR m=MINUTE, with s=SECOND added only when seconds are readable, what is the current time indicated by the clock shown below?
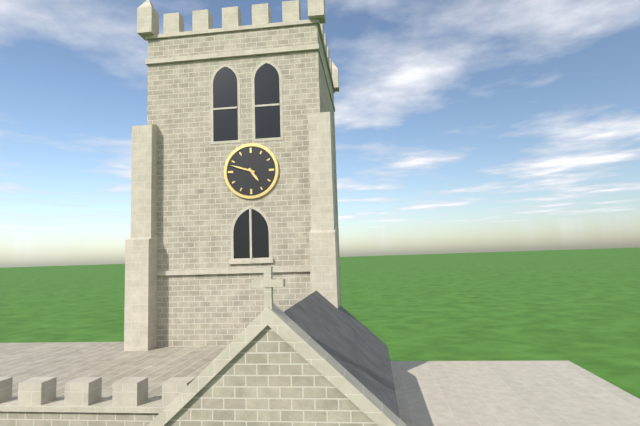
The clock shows h=4 m=48
